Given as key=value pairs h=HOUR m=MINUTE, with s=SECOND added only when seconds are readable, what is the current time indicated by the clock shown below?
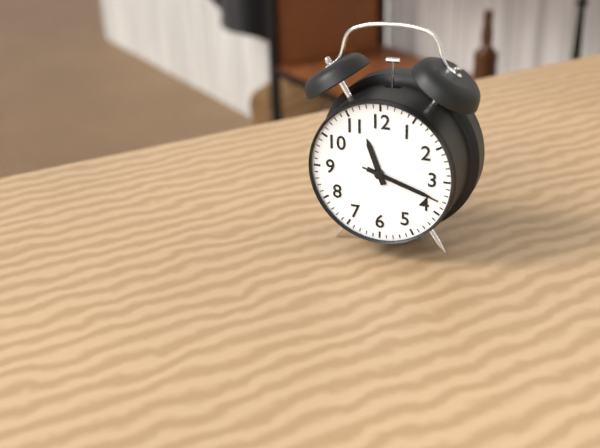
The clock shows h=11 m=18 s=18
